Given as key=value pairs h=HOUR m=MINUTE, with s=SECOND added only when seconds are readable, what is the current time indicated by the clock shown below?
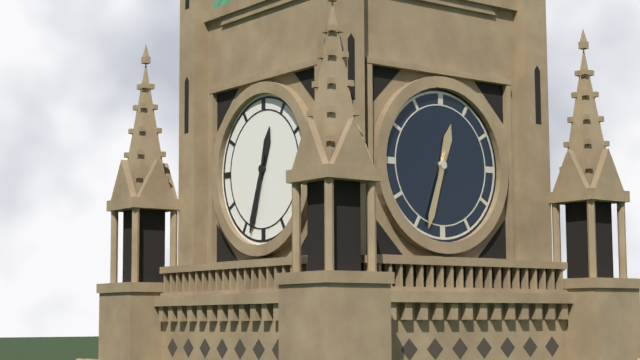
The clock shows h=12 m=33
